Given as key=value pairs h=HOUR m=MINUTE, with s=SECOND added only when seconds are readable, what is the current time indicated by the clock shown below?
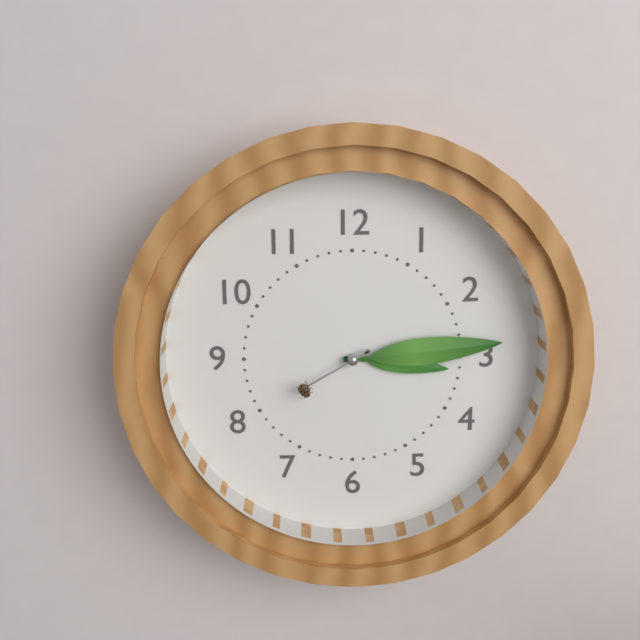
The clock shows h=3 m=14 s=40
